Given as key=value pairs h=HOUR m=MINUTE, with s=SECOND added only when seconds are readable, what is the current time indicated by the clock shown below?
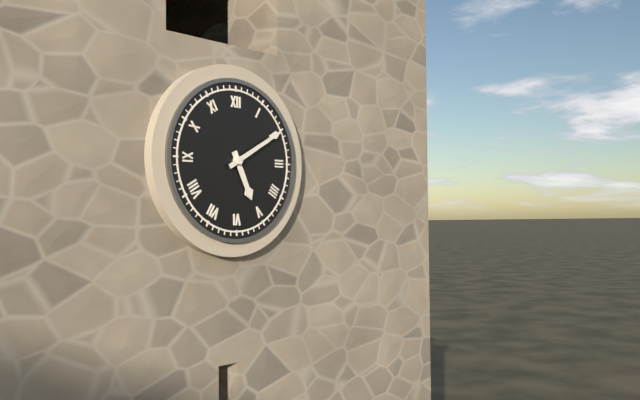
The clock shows h=5 m=10
